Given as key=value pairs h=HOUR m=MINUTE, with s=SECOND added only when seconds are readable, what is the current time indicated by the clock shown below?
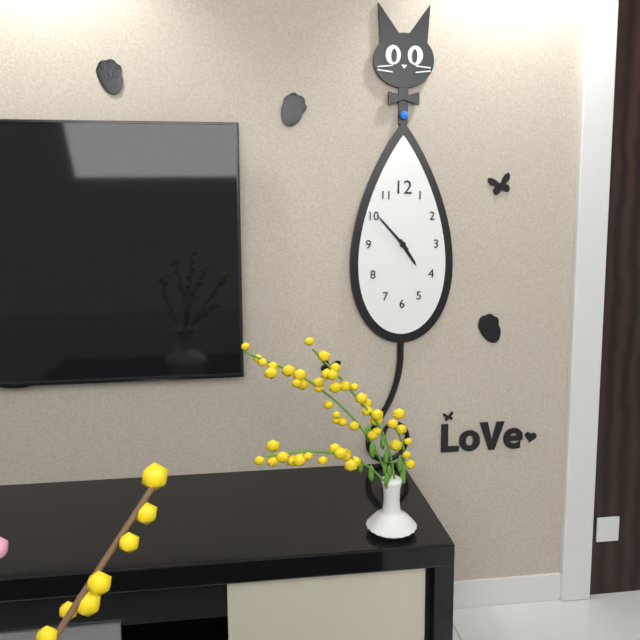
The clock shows h=4 m=53
